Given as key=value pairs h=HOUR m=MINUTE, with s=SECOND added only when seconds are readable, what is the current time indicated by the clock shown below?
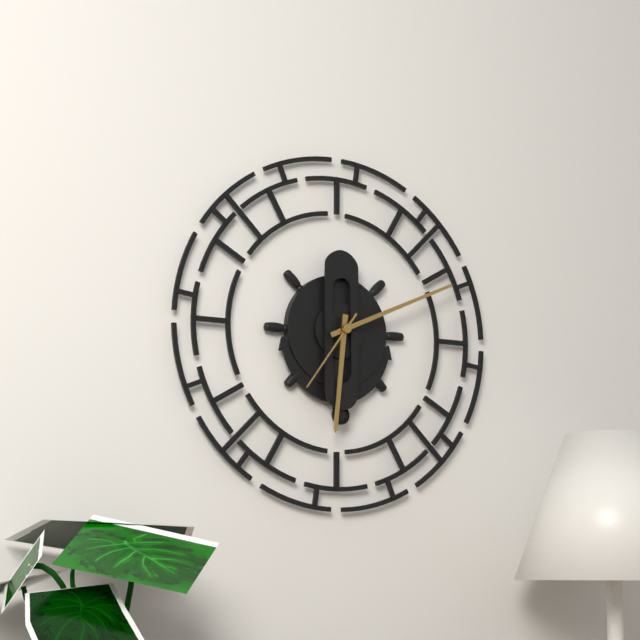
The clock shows h=6 m=11 s=36
